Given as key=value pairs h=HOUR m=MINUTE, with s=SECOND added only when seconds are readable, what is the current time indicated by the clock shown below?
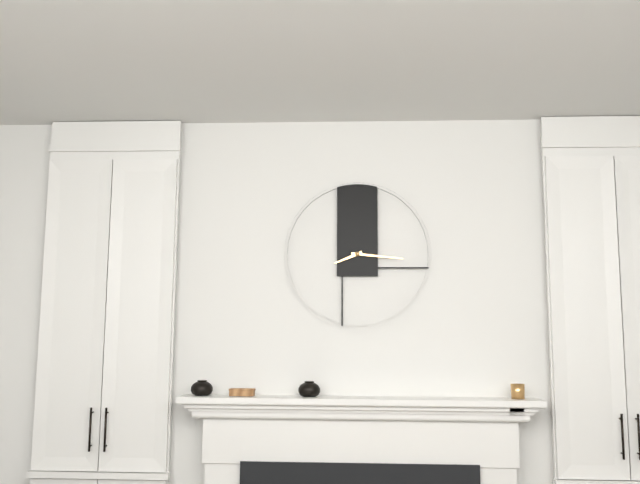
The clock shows h=8 m=16
